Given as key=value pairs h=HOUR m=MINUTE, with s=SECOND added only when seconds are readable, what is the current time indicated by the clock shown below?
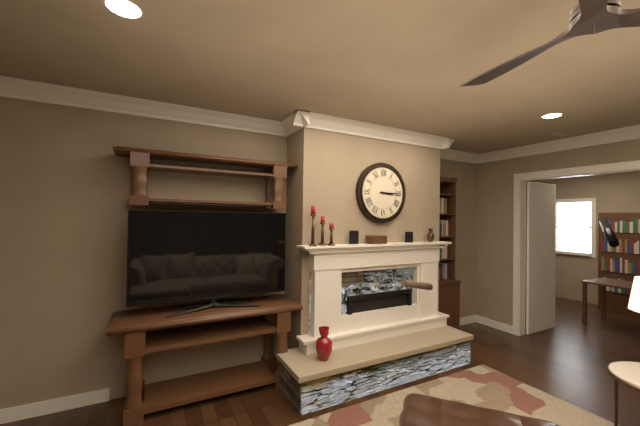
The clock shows h=3 m=15
